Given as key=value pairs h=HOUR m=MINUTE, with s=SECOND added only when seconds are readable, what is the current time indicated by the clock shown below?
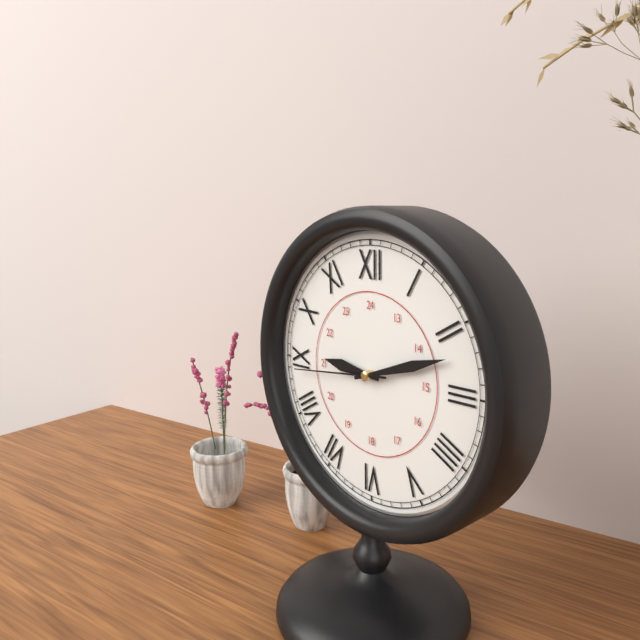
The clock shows h=9 m=12 s=44
